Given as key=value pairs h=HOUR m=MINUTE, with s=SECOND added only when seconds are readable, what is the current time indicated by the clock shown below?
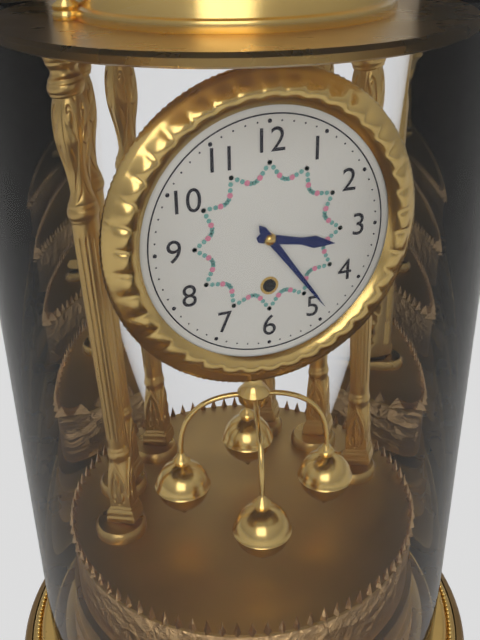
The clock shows h=3 m=24
